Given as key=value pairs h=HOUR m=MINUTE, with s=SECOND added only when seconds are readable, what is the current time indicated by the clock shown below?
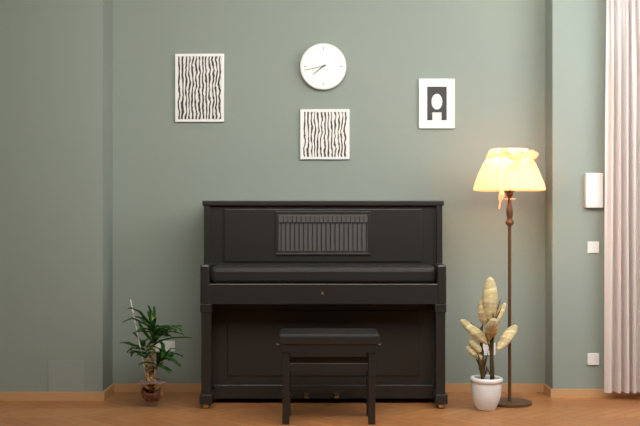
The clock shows h=7 m=43
